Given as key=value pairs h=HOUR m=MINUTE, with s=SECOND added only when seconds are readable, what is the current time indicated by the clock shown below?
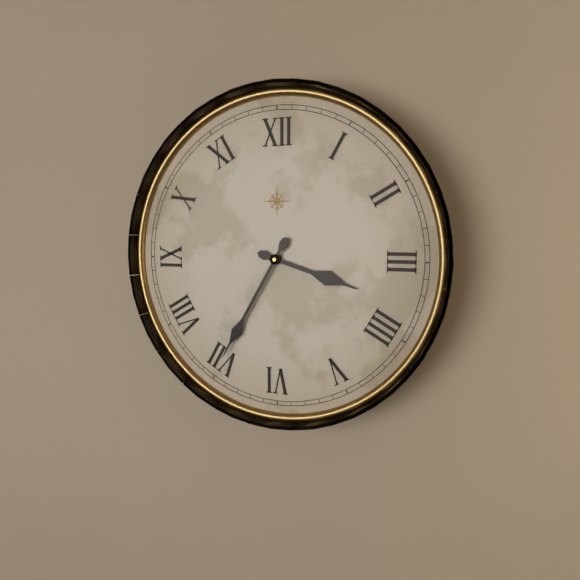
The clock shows h=3 m=35
